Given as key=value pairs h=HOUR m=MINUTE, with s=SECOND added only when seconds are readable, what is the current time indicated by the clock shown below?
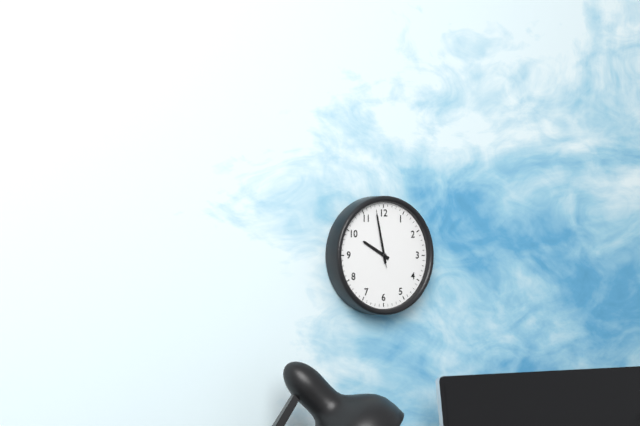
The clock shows h=9 m=58 s=58
